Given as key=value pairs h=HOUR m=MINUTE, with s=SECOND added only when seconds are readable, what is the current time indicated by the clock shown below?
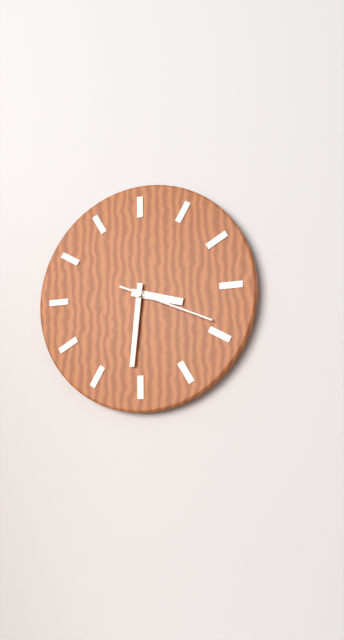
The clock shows h=3 m=31 s=19
